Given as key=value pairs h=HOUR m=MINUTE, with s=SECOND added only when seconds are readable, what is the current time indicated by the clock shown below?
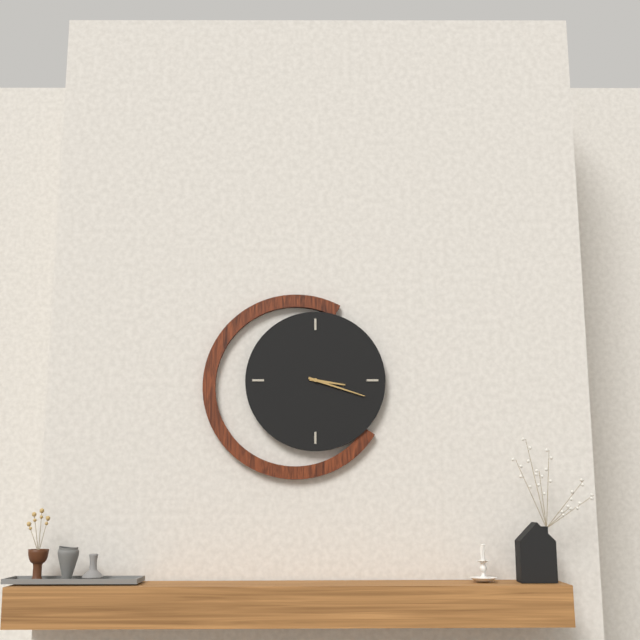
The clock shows h=3 m=18
